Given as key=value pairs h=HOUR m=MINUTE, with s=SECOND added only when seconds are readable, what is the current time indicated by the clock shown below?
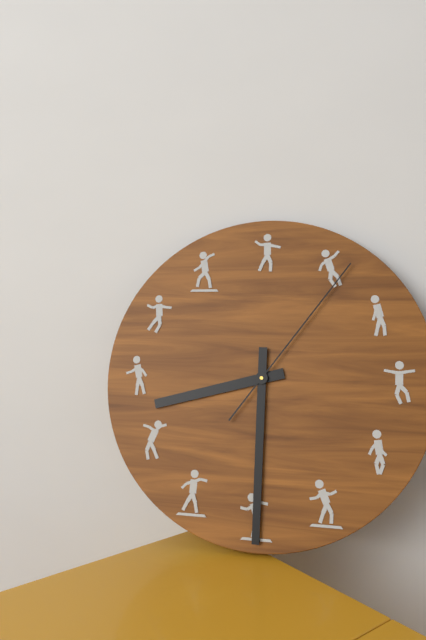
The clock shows h=8 m=30 s=6
